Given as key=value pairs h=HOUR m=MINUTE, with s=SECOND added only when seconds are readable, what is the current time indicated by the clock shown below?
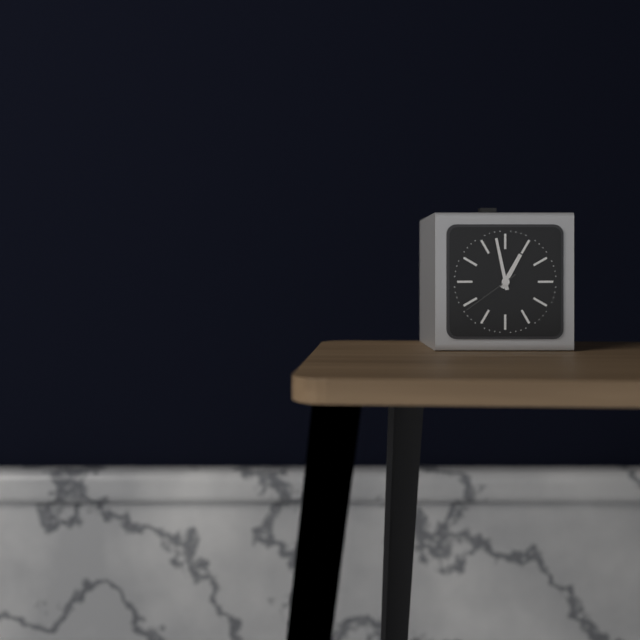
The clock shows h=12 m=58 s=39
